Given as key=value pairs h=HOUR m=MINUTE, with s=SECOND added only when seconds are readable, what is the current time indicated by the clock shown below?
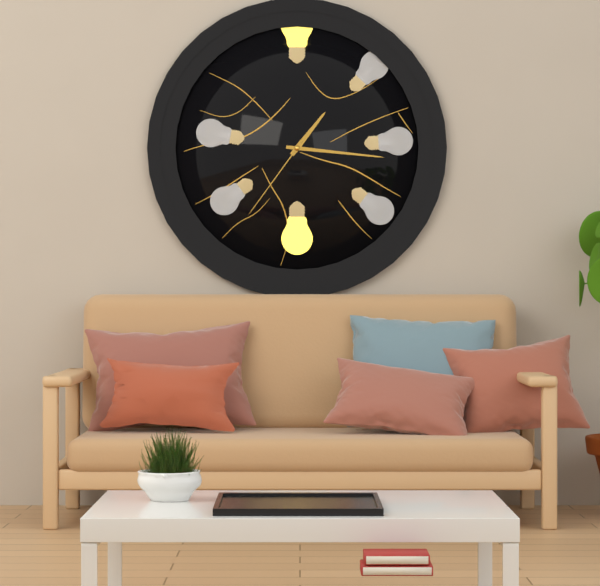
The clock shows h=1 m=16 s=36
